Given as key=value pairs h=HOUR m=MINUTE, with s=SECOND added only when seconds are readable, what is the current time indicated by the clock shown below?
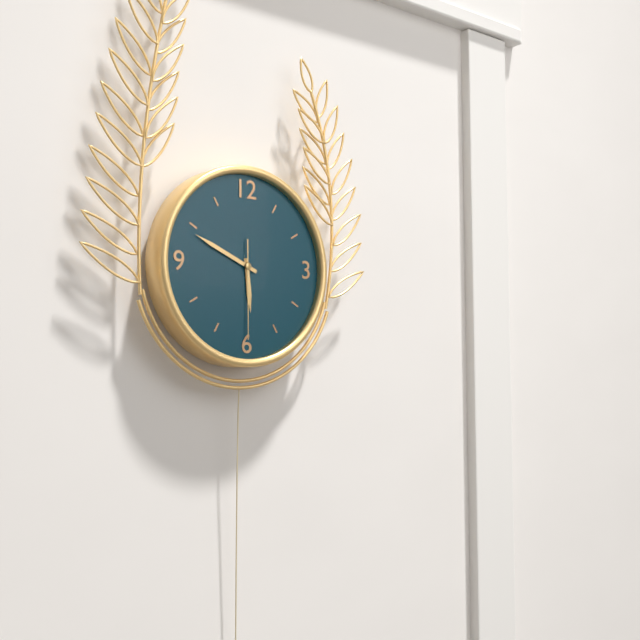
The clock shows h=5 m=49 s=30
